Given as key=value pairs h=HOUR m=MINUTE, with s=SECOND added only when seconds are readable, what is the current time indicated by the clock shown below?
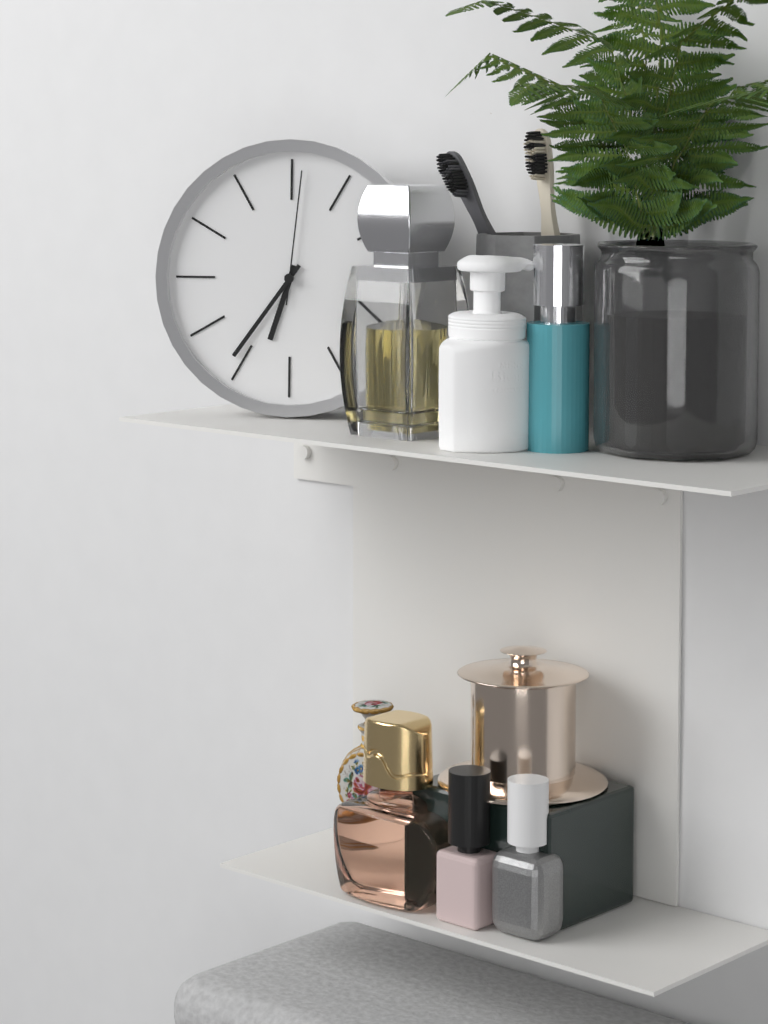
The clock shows h=6 m=36 s=1
